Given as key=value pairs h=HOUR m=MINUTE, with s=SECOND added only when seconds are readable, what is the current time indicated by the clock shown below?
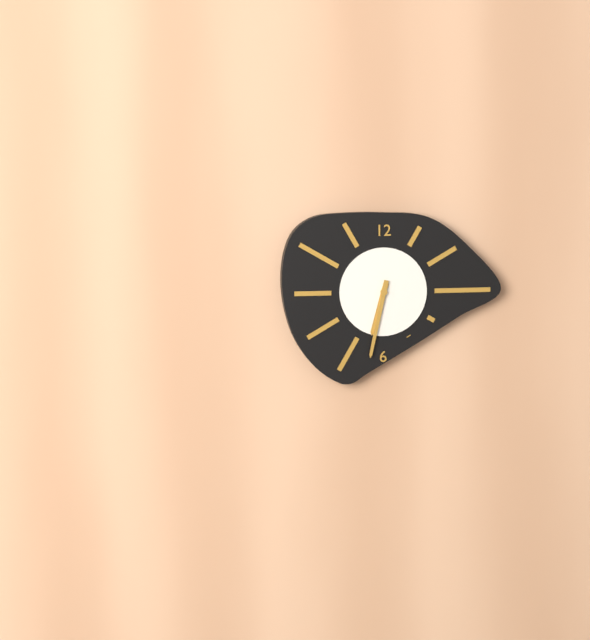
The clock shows h=6 m=32
